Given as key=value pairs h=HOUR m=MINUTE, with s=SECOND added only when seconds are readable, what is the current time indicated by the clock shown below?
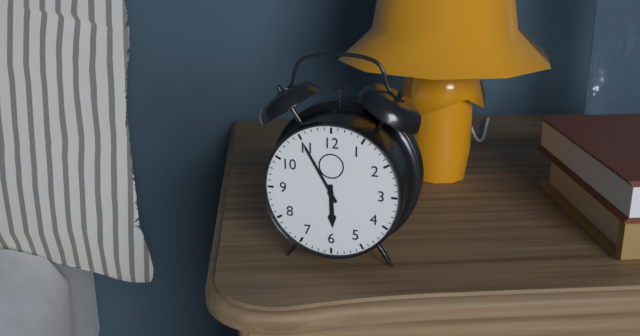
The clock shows h=5 m=55
